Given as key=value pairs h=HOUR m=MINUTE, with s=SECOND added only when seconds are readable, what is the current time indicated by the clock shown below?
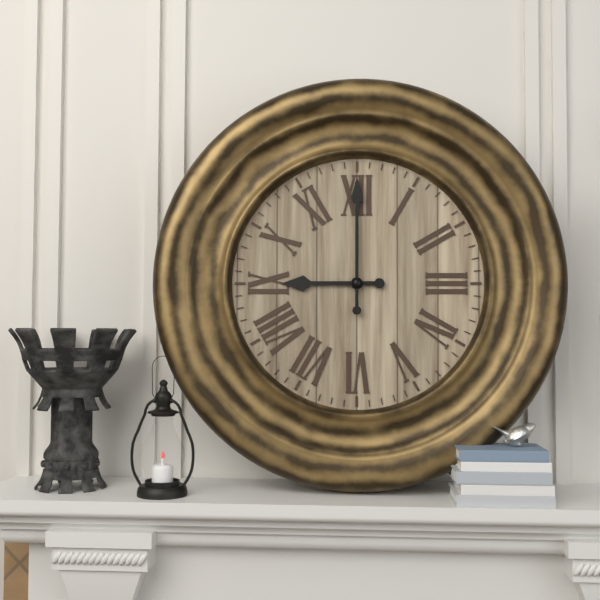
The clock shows h=9 m=0
